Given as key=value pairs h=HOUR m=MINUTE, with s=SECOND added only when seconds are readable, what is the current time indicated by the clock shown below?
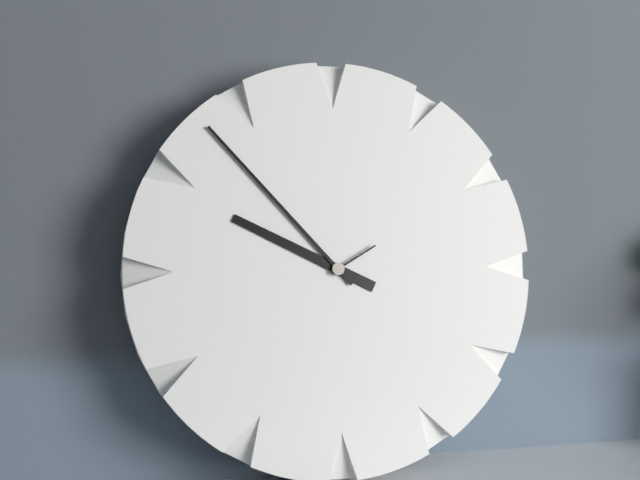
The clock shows h=9 m=53 s=10
